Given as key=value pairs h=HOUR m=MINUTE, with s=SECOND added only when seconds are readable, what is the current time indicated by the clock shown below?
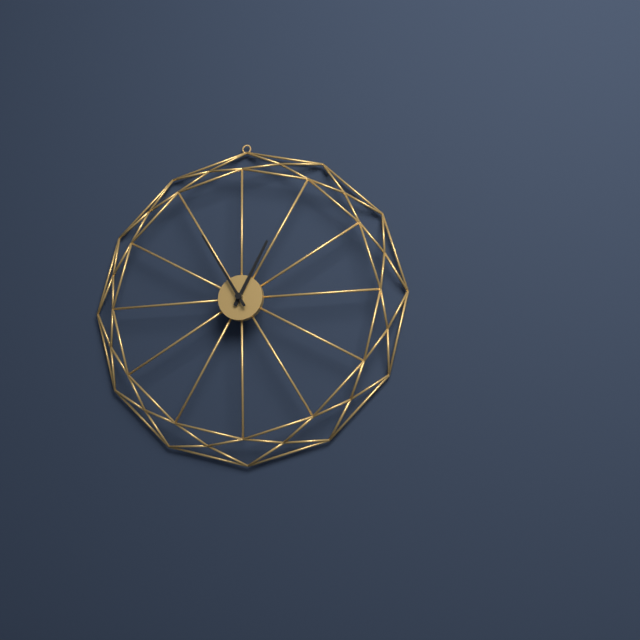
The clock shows h=12 m=55
